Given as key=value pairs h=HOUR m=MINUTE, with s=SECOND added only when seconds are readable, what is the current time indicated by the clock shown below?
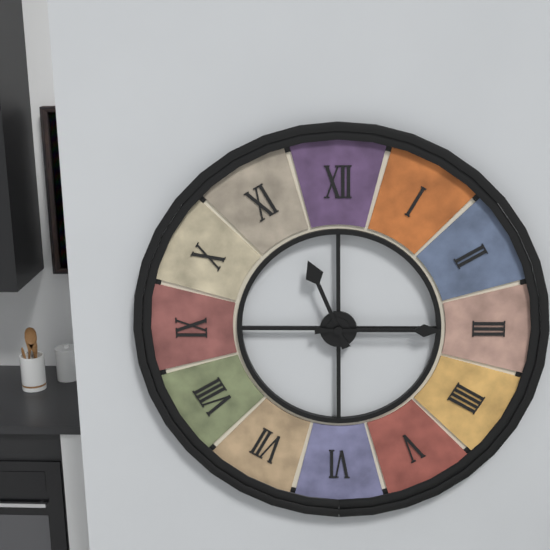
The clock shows h=11 m=15
